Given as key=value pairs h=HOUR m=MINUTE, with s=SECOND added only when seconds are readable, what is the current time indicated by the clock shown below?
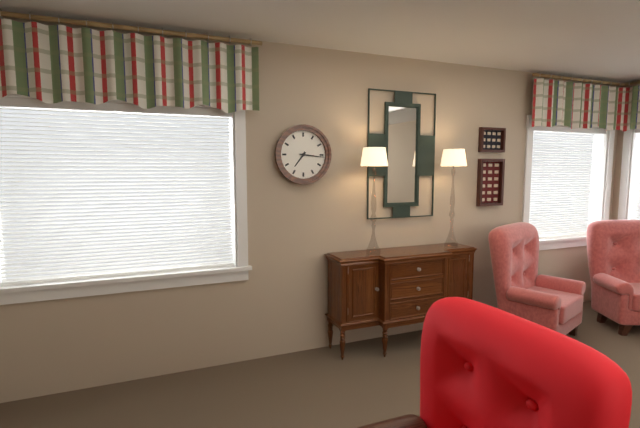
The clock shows h=7 m=16
